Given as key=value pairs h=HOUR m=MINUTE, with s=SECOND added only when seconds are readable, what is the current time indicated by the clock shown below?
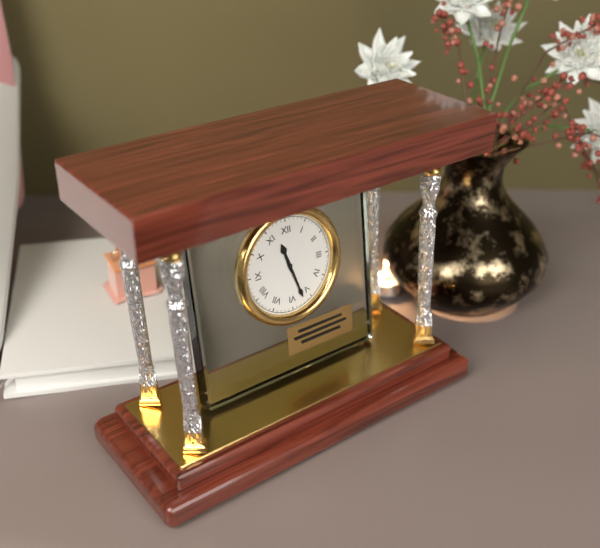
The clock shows h=11 m=27
